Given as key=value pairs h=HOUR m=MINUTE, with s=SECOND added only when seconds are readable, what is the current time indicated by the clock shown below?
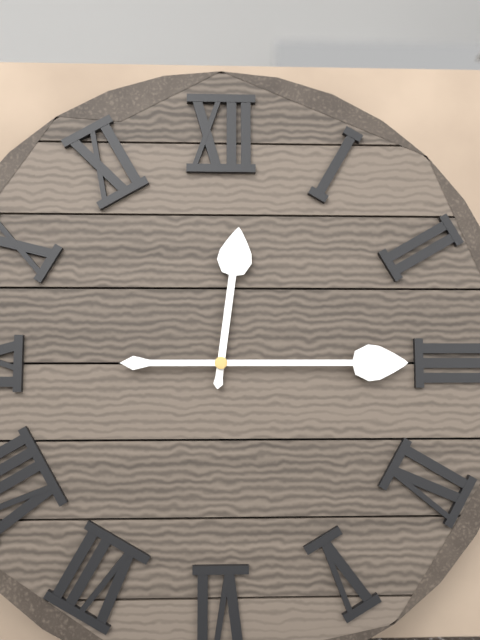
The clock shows h=12 m=15
